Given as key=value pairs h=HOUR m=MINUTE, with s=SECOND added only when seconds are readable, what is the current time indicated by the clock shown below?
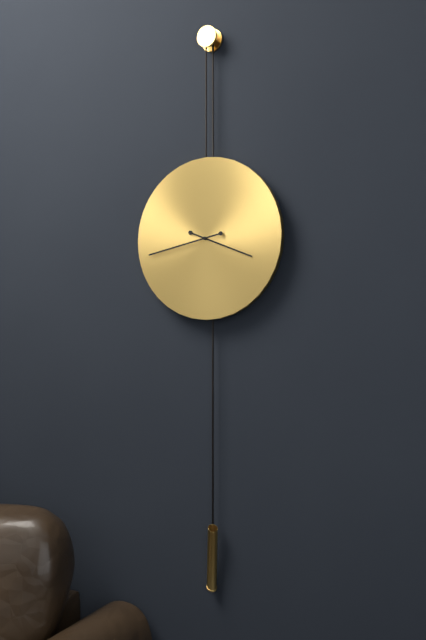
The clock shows h=3 m=43
